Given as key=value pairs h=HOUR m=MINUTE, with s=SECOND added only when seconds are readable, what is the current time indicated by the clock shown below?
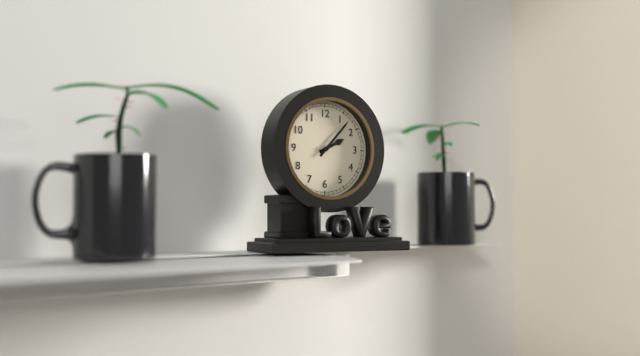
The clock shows h=2 m=7
